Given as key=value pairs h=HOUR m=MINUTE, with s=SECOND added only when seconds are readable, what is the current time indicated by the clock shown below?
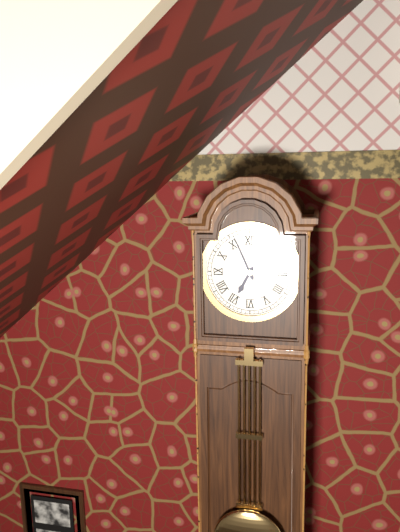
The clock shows h=6 m=56
